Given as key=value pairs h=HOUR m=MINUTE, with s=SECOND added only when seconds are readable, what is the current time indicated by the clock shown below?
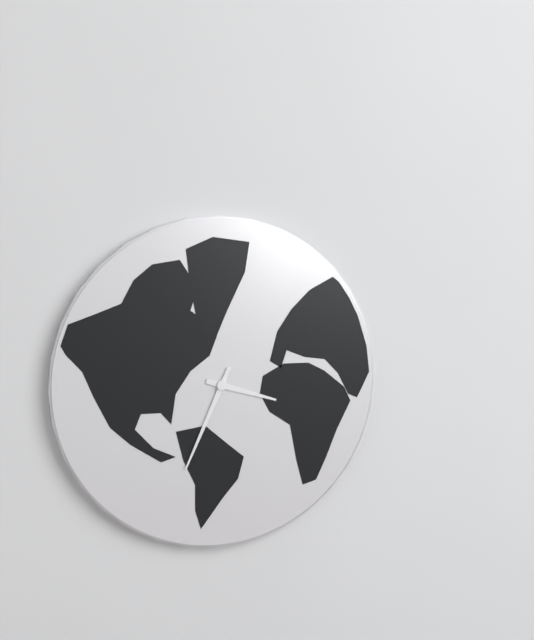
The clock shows h=3 m=34
